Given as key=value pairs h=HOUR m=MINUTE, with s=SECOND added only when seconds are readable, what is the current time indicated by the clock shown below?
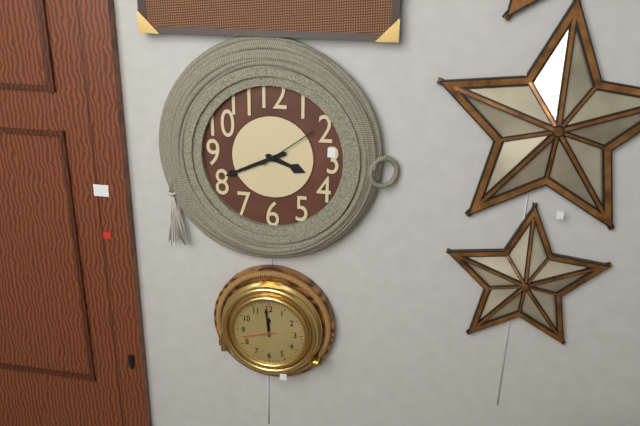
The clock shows h=3 m=41 s=9
